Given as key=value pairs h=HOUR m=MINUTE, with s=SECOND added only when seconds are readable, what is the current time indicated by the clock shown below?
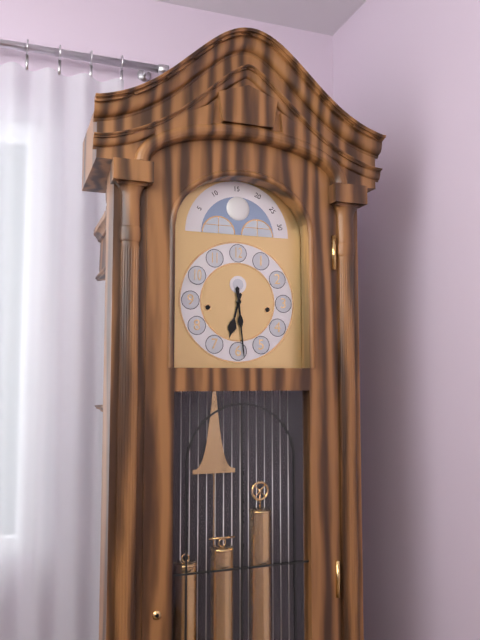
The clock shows h=6 m=29
